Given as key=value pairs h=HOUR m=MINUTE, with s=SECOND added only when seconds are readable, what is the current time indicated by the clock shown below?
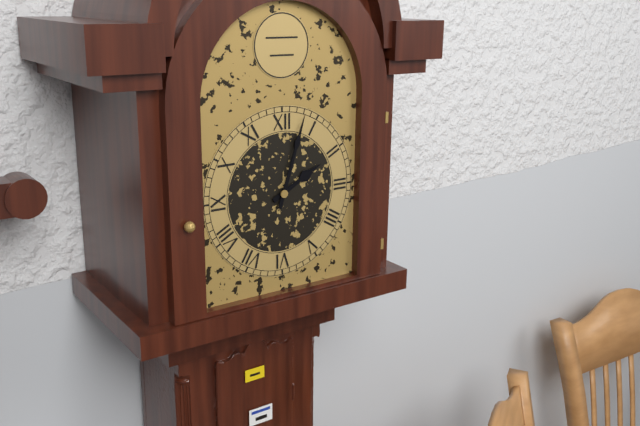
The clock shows h=2 m=3
